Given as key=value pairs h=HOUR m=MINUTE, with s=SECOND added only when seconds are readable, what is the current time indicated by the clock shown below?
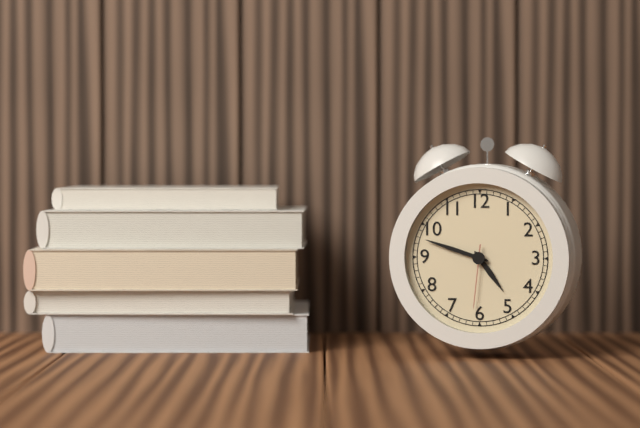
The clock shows h=4 m=48 s=31
